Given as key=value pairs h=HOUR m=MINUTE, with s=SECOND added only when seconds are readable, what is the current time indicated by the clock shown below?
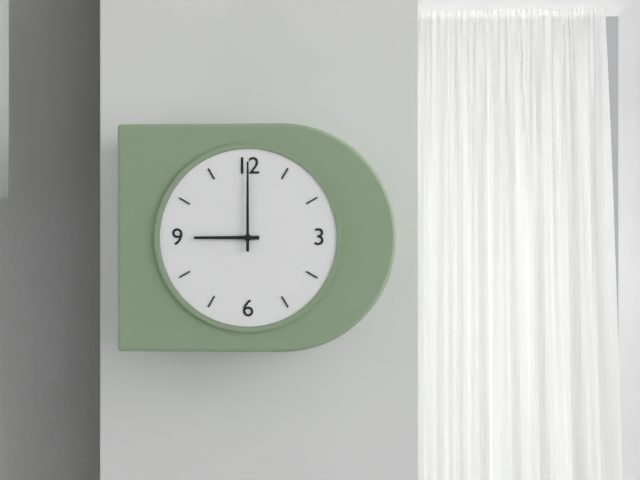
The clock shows h=9 m=0
